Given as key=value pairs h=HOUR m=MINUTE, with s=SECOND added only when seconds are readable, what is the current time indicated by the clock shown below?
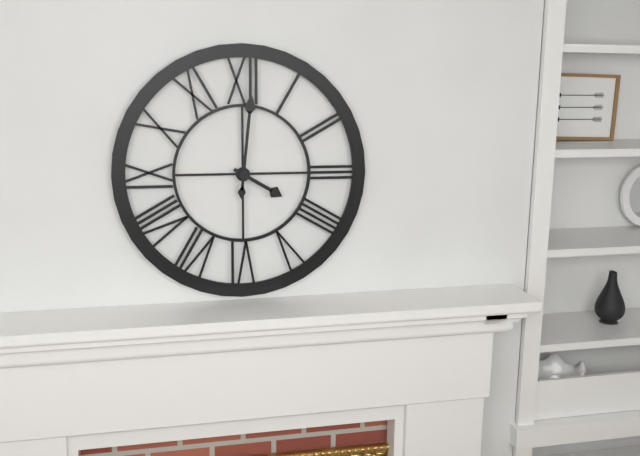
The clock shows h=4 m=1
